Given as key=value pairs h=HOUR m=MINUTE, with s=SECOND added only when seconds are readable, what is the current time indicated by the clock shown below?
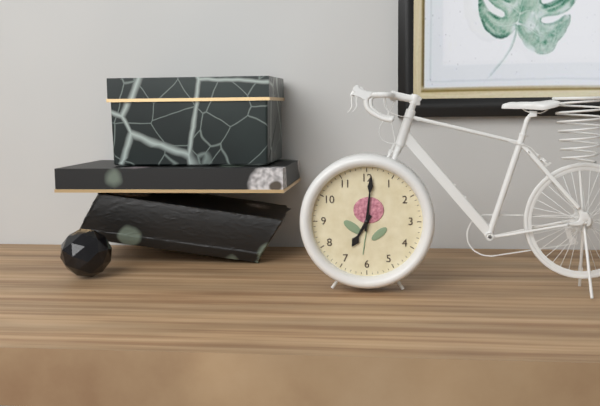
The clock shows h=7 m=1
